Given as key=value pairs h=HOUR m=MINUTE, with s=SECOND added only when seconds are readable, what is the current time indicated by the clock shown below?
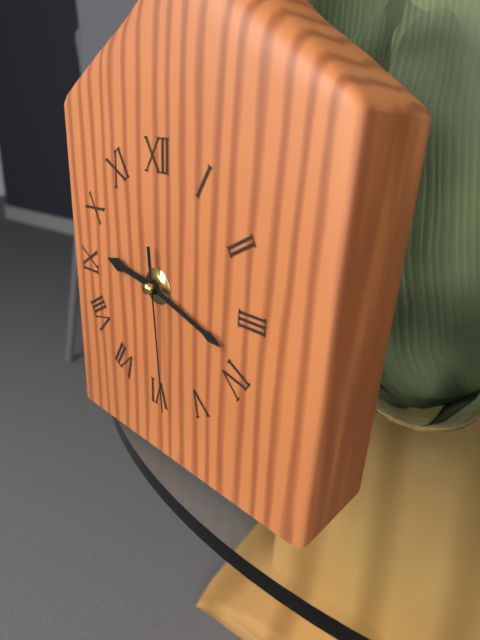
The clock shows h=9 m=18 s=29
